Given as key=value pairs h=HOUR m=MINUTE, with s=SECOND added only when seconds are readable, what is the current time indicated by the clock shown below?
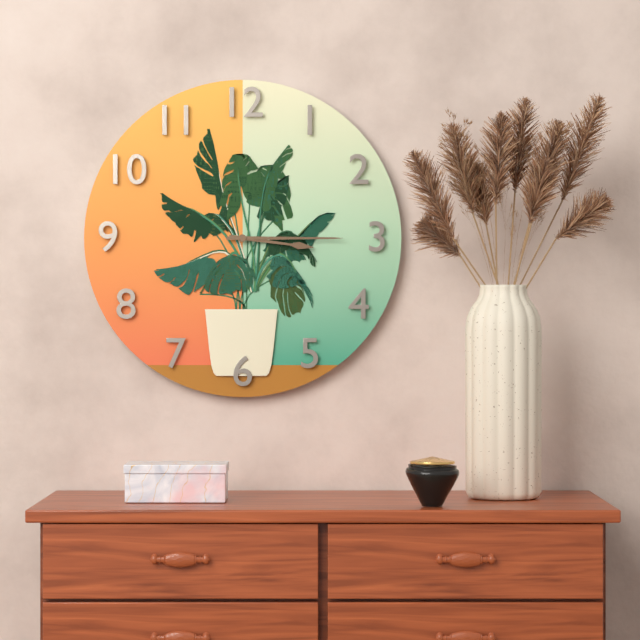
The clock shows h=3 m=15
